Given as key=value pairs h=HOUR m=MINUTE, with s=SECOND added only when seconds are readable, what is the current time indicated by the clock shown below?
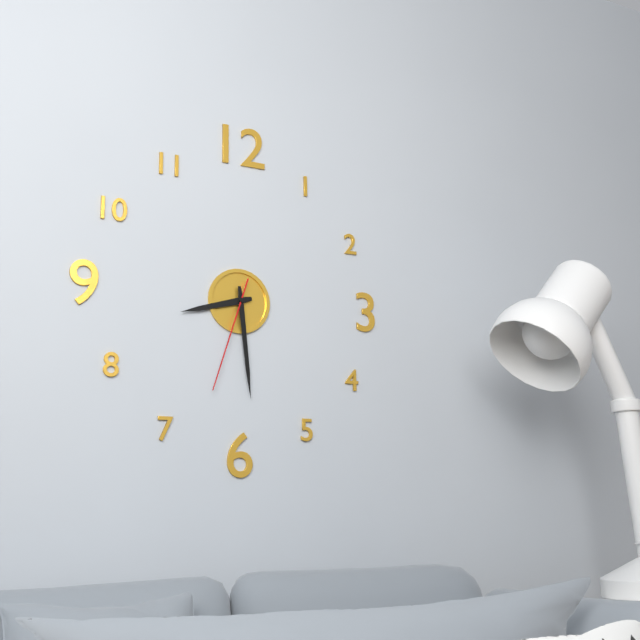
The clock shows h=8 m=29 s=33
